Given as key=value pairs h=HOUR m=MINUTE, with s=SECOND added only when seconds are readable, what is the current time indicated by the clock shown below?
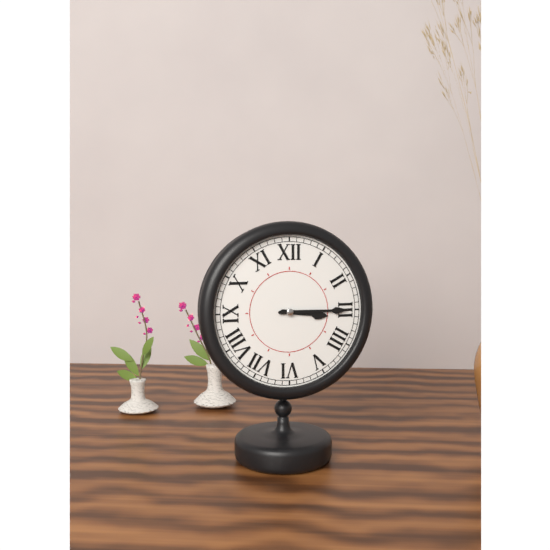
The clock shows h=3 m=15
